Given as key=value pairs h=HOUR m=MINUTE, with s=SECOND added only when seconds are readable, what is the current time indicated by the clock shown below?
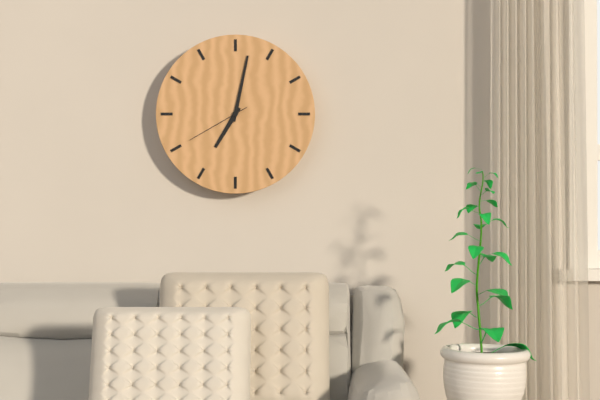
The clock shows h=7 m=2 s=40
